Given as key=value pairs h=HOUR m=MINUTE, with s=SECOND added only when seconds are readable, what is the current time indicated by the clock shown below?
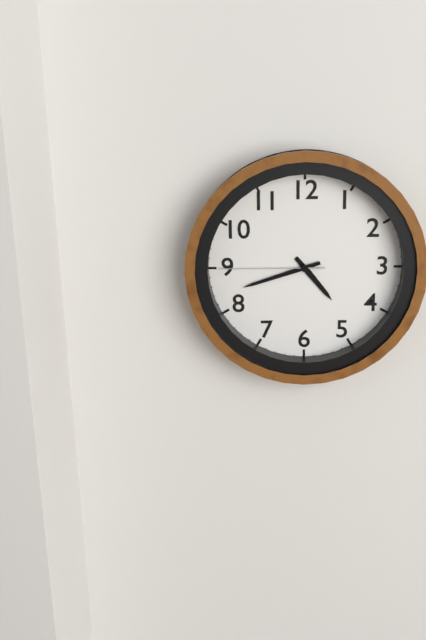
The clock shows h=4 m=42 s=45
